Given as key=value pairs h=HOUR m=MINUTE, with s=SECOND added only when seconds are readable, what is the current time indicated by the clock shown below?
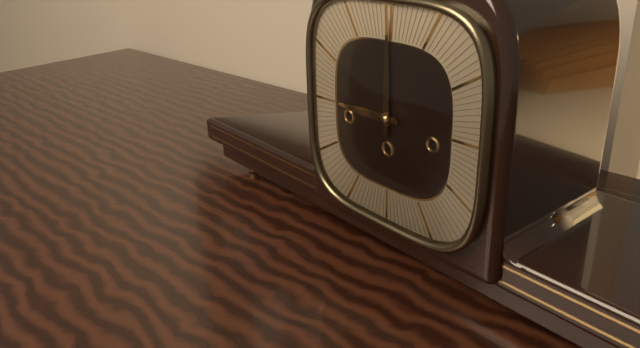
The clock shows h=9 m=0
